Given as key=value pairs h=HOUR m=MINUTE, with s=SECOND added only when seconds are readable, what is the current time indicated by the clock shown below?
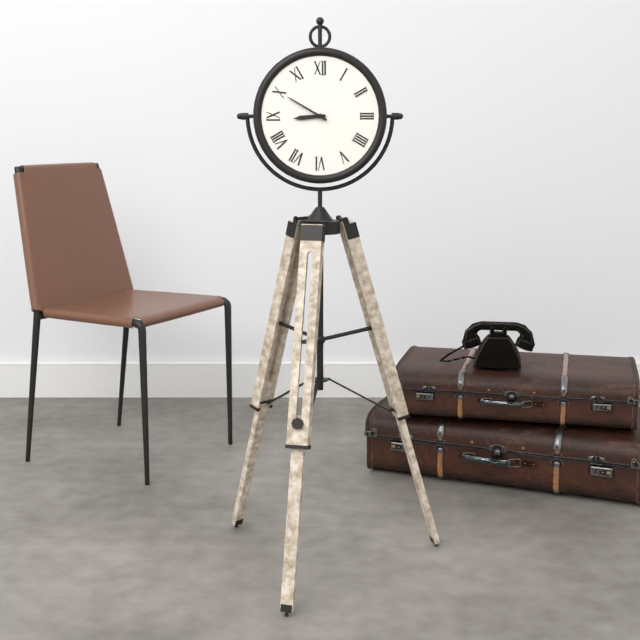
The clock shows h=8 m=50
